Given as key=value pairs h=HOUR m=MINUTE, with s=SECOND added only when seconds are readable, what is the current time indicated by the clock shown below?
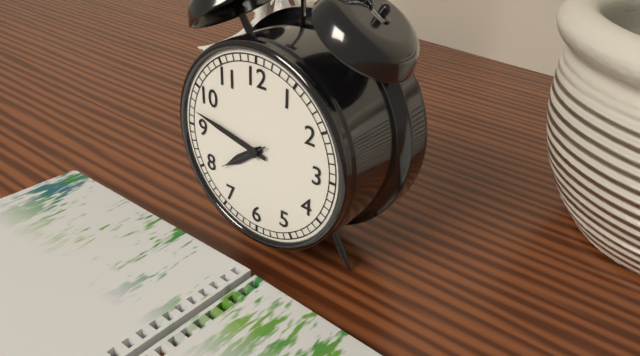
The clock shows h=7 m=47
